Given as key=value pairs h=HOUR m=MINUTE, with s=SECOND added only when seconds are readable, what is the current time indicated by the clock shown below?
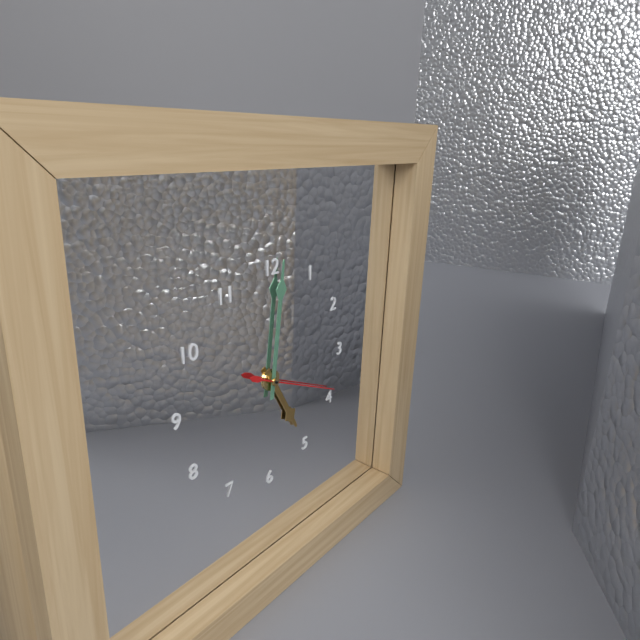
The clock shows h=5 m=1 s=19
